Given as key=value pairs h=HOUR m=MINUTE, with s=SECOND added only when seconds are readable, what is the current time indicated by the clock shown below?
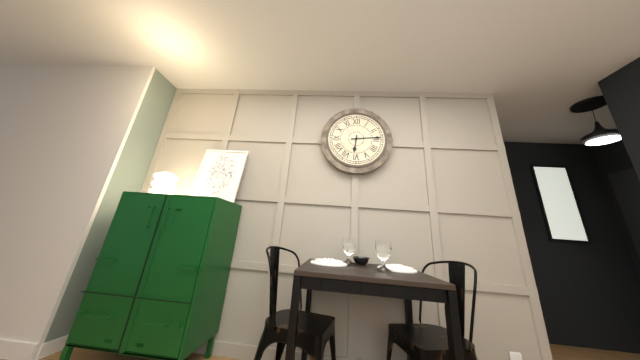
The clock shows h=6 m=14
